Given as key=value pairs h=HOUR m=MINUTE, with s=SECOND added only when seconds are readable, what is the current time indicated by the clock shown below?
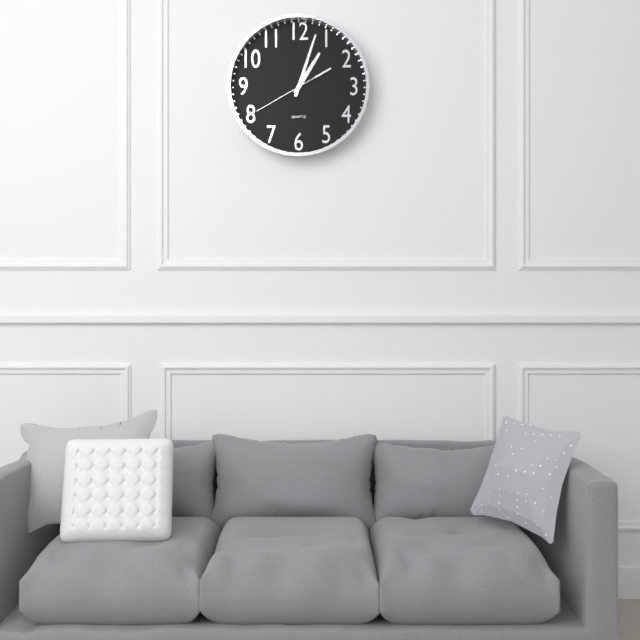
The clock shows h=1 m=3 s=40
